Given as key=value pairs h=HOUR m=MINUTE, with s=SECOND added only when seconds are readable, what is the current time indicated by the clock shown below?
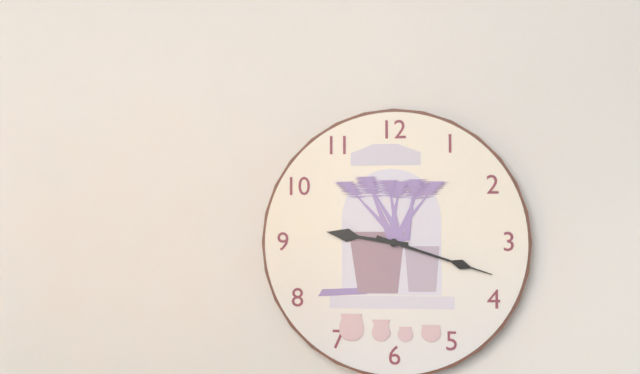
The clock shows h=9 m=18
